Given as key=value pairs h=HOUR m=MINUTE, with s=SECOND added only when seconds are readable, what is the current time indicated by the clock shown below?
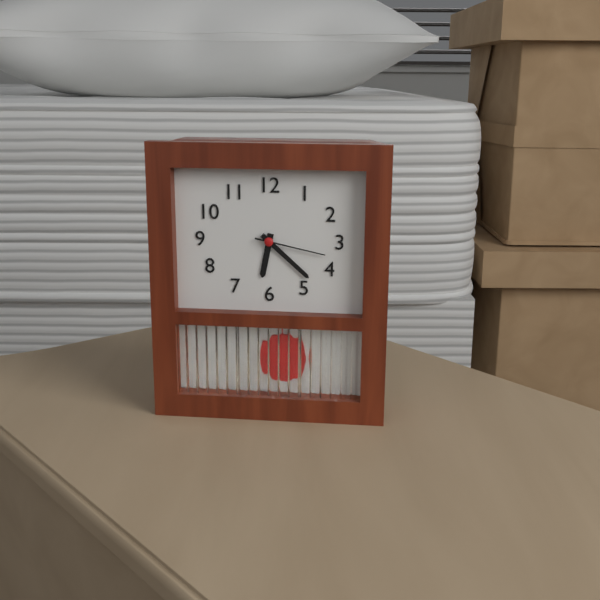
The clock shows h=6 m=22 s=17
